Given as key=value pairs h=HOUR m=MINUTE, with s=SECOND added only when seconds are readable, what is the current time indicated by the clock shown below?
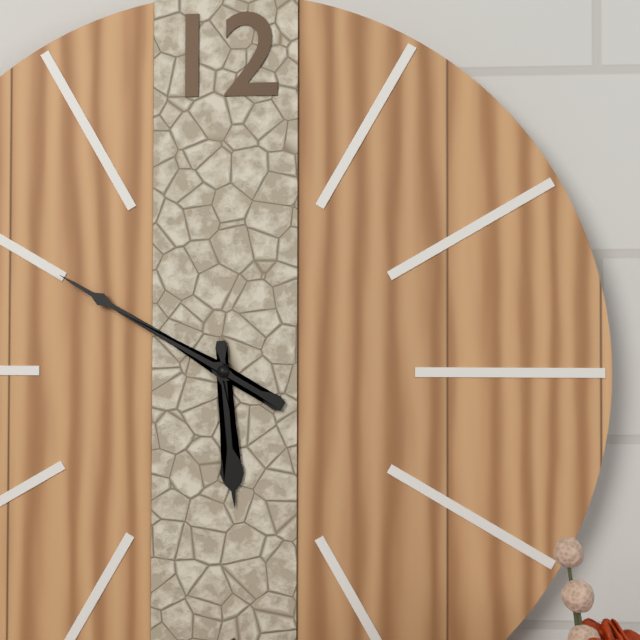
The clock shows h=5 m=50
